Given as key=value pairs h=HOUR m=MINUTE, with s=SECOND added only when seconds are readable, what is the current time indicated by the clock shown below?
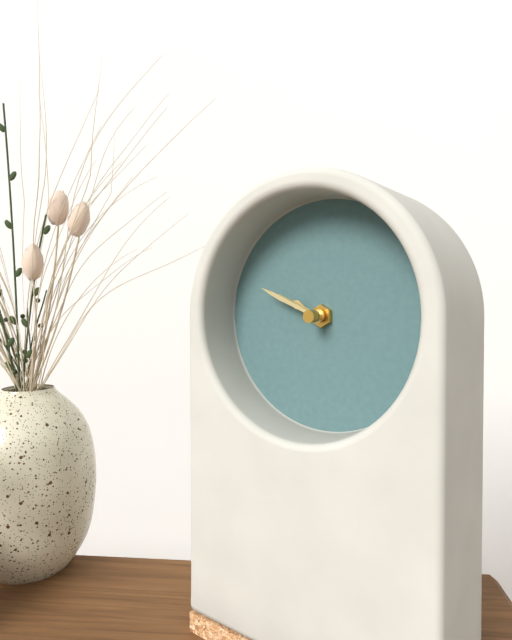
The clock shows h=9 m=49
